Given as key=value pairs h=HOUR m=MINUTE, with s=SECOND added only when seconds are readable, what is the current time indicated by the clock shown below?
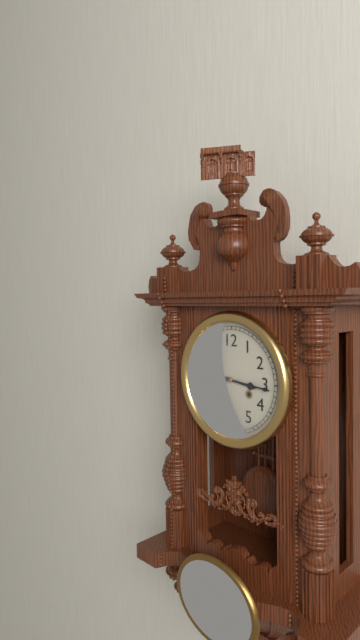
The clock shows h=3 m=16
